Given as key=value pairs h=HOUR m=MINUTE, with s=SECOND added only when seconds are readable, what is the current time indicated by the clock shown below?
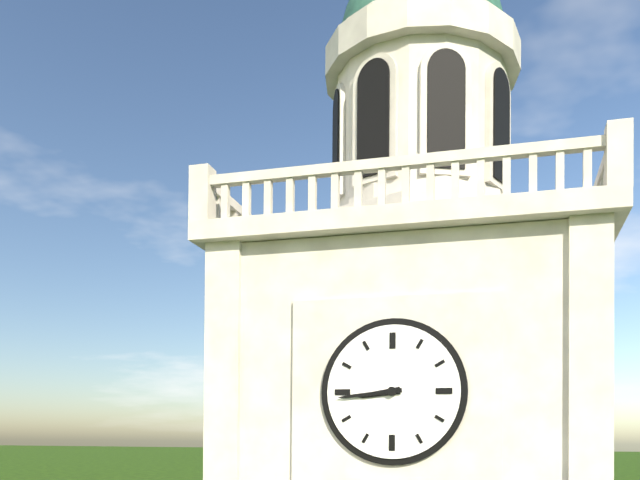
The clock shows h=8 m=44
